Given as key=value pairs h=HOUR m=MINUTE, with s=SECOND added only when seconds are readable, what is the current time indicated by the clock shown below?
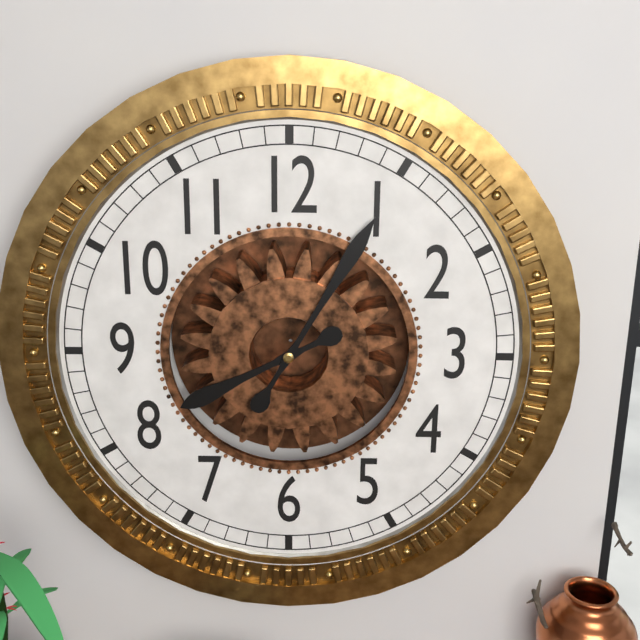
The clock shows h=8 m=5
